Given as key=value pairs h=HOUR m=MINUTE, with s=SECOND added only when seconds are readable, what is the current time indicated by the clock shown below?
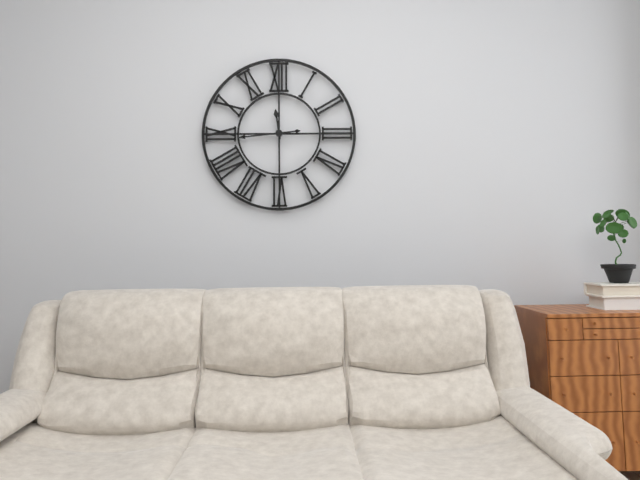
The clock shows h=11 m=44
